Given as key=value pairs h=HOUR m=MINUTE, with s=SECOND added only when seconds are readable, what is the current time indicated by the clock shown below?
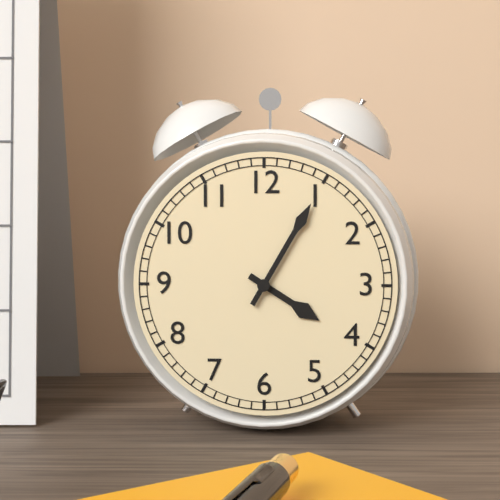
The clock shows h=4 m=5
